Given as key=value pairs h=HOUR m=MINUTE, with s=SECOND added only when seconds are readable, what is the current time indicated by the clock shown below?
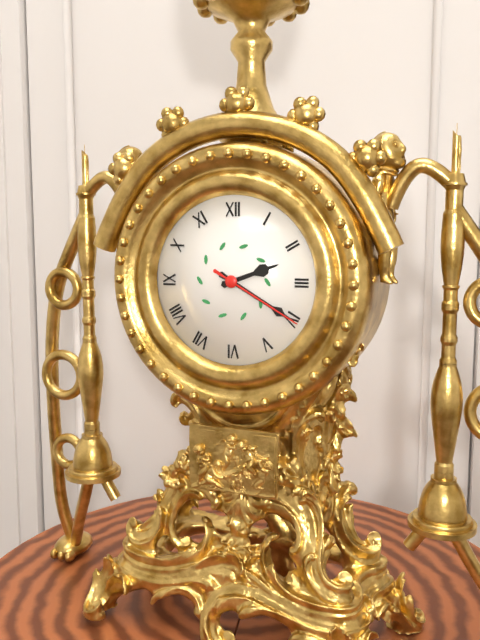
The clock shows h=2 m=20 s=20
